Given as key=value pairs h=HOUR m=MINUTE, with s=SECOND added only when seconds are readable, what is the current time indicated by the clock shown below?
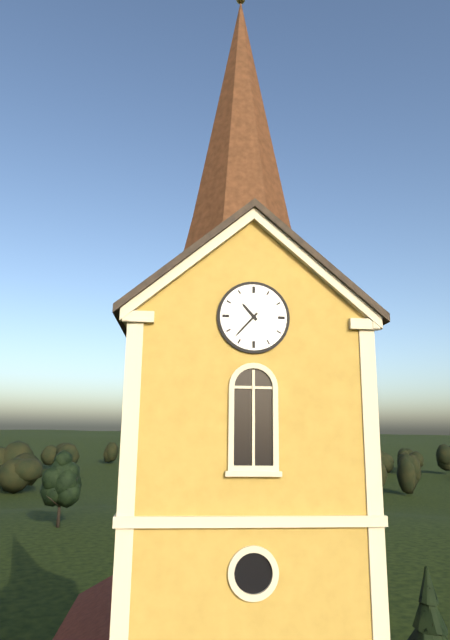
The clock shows h=10 m=37
